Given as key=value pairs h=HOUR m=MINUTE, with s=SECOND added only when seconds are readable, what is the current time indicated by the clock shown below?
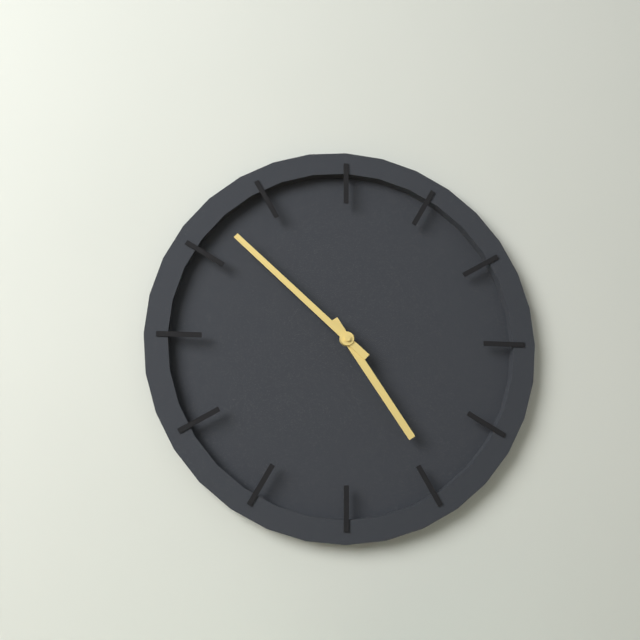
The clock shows h=4 m=52
